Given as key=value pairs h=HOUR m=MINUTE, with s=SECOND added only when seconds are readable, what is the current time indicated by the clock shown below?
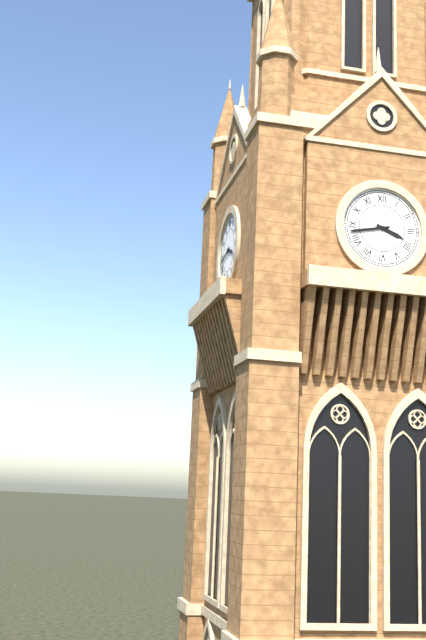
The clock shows h=3 m=43
